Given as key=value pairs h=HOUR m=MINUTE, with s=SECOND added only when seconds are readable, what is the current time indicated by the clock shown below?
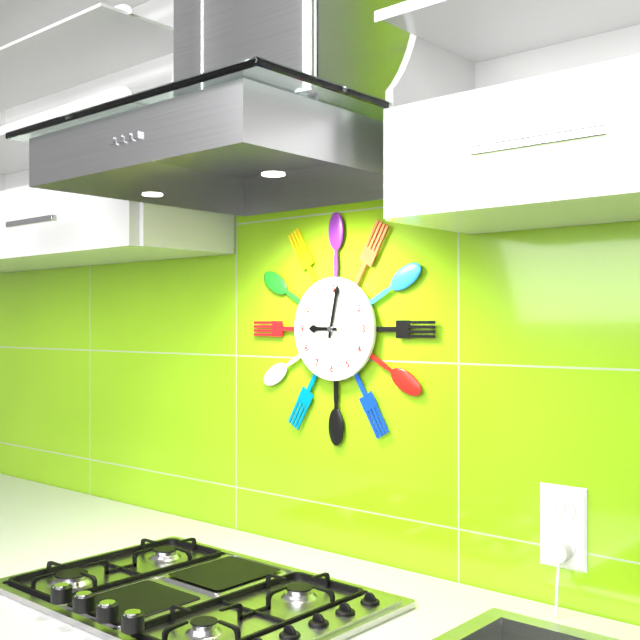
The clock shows h=9 m=2
